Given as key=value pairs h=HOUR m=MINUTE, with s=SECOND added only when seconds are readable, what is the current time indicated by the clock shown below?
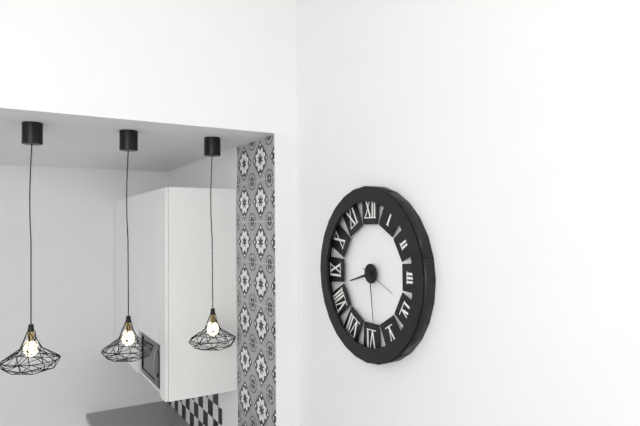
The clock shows h=8 m=29
